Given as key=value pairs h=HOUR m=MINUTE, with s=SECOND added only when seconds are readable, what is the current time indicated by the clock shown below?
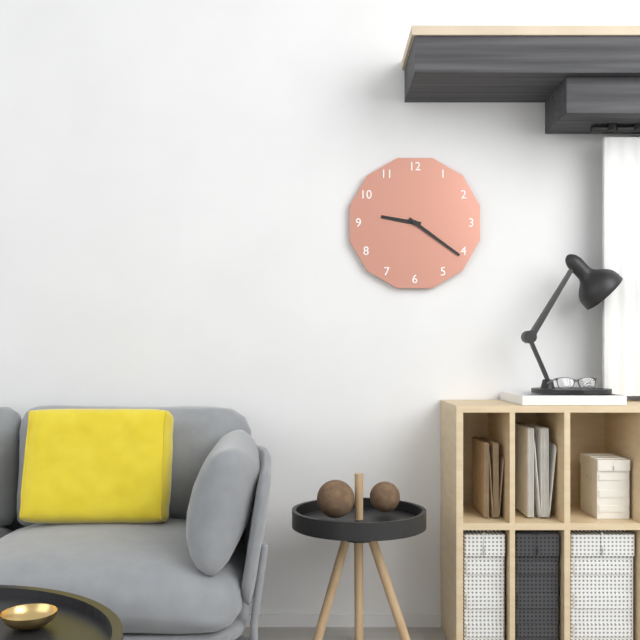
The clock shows h=9 m=21
